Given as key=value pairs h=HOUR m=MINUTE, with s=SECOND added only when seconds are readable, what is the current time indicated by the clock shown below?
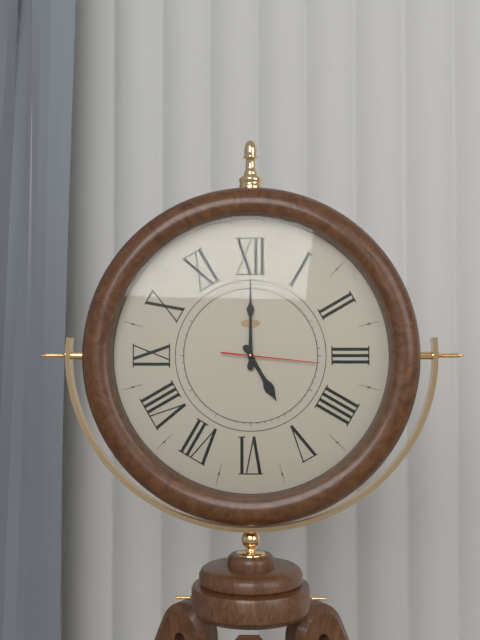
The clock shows h=5 m=0 s=16
